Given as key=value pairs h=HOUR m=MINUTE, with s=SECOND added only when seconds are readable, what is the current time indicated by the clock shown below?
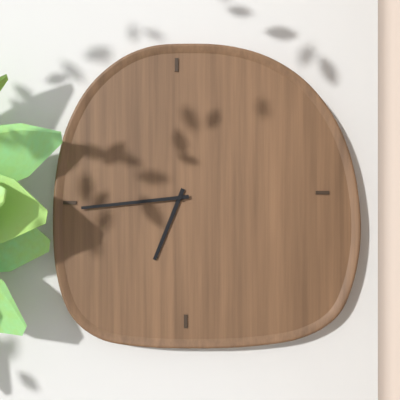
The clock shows h=6 m=44
